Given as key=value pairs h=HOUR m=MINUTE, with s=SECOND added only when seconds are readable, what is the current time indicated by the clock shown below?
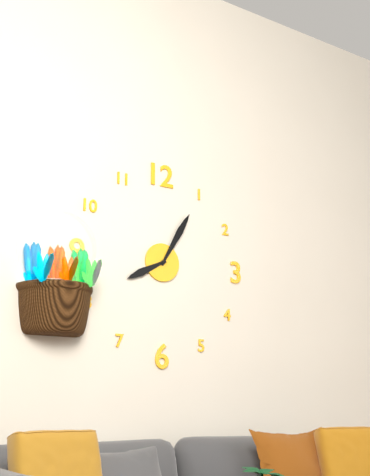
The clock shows h=8 m=5
